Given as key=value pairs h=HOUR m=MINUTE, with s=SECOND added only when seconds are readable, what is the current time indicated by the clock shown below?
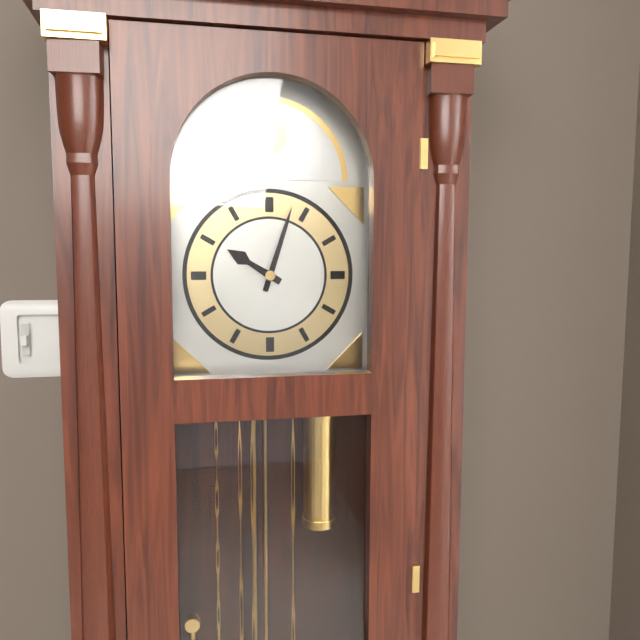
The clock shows h=10 m=3
